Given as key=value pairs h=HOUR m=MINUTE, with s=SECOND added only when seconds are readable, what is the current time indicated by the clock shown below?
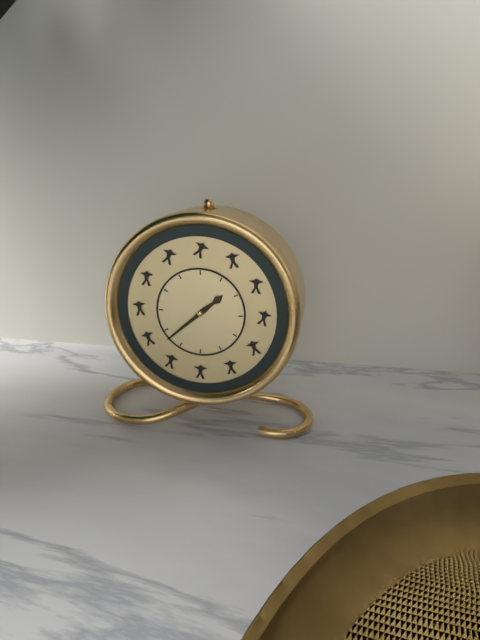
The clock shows h=1 m=38
